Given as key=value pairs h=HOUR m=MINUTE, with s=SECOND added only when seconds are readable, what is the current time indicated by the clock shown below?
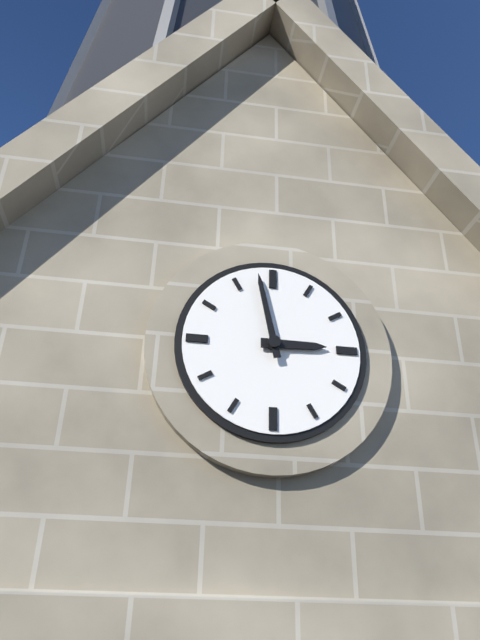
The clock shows h=2 m=58
